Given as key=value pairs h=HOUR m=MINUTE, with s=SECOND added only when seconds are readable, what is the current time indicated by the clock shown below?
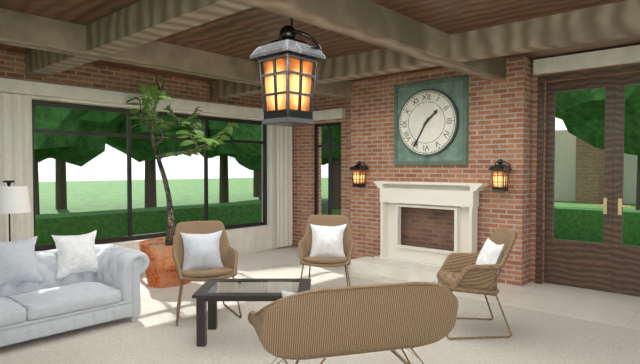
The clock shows h=1 m=35
